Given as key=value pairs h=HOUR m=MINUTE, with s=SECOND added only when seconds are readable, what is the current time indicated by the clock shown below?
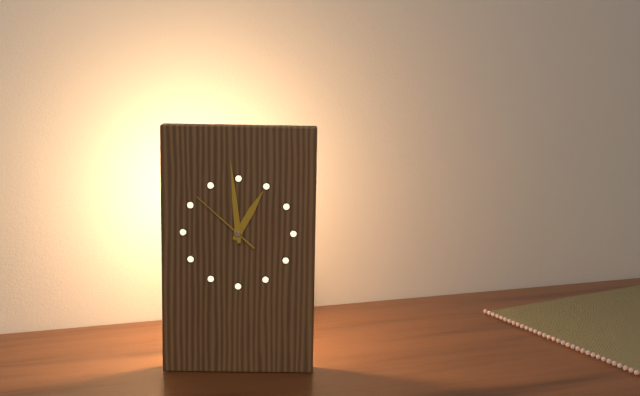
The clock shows h=12 m=59 s=52
